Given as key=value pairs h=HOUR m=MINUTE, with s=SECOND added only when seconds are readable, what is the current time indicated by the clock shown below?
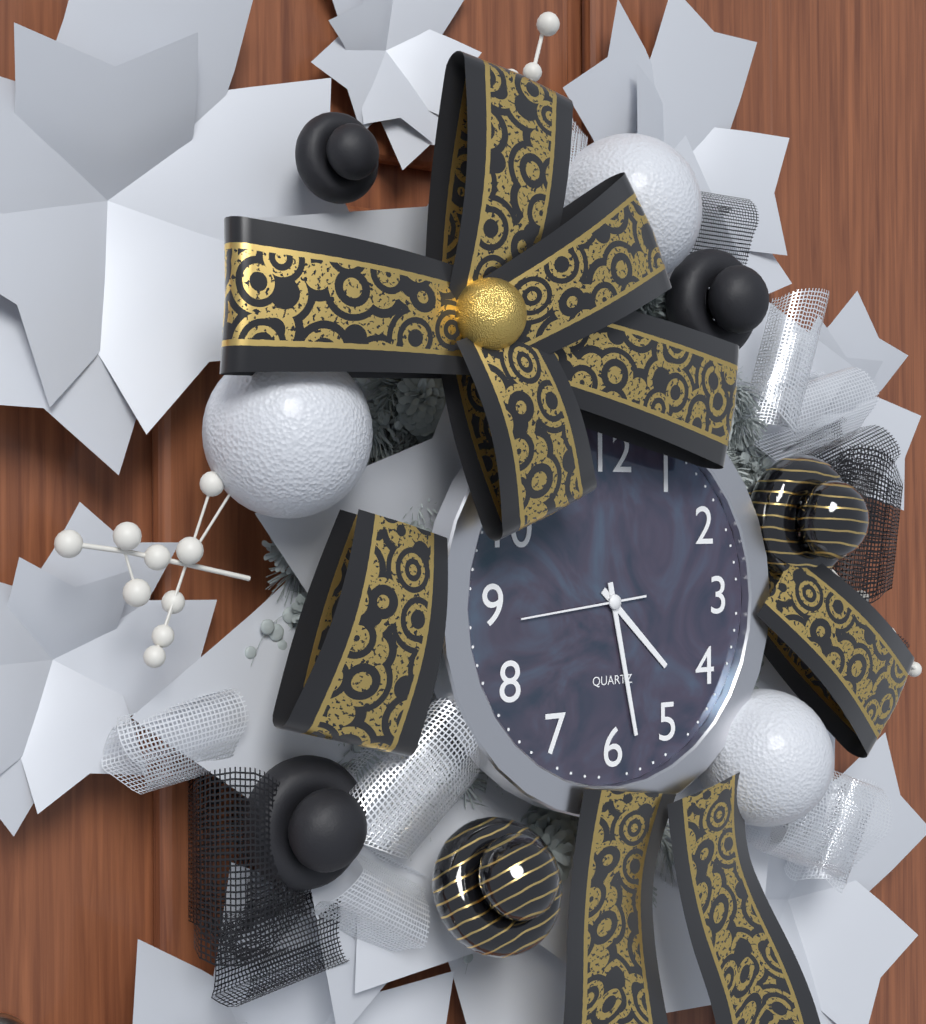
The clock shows h=4 m=28 s=44
